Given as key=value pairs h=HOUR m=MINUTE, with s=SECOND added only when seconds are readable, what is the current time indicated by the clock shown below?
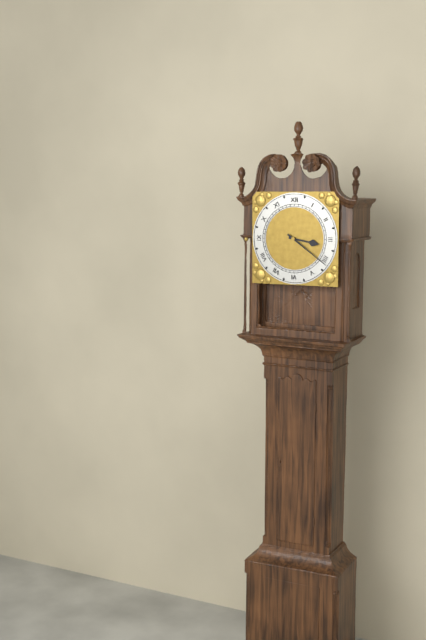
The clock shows h=3 m=21
